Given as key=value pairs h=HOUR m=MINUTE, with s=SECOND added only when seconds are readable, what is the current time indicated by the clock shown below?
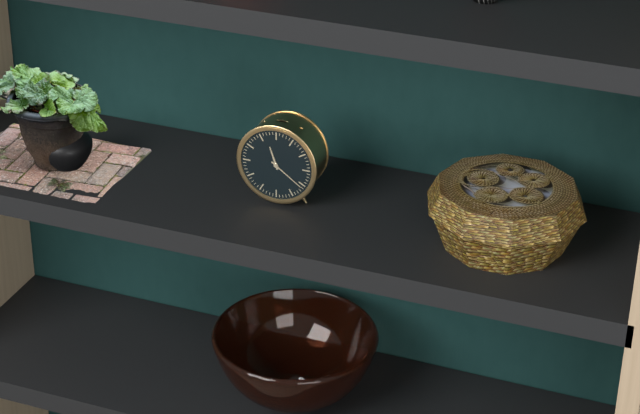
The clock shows h=11 m=21
